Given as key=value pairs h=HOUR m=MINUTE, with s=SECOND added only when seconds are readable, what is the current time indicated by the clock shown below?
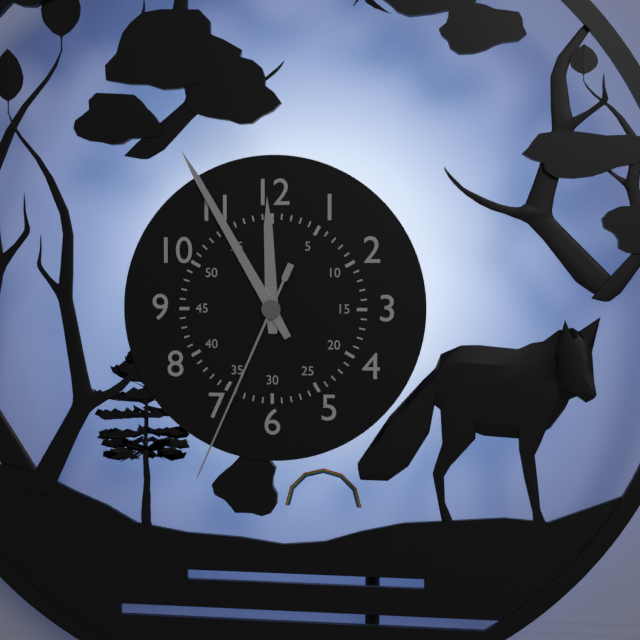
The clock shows h=11 m=55 s=34
